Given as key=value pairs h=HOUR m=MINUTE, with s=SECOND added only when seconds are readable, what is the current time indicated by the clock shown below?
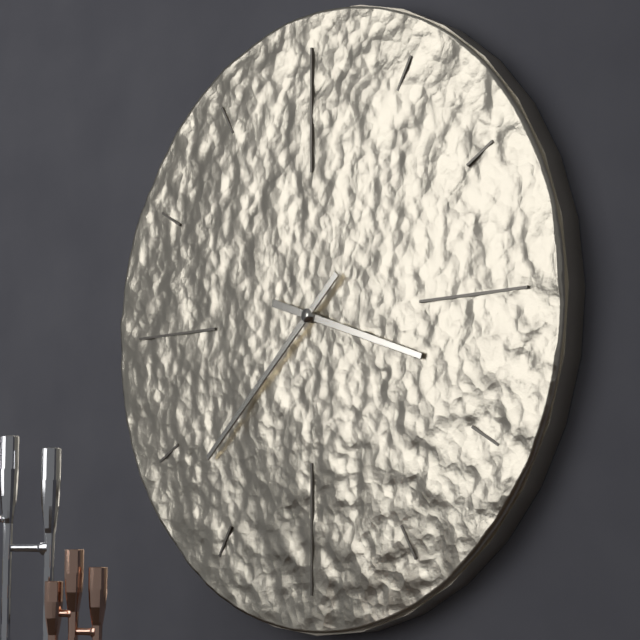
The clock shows h=3 m=38
